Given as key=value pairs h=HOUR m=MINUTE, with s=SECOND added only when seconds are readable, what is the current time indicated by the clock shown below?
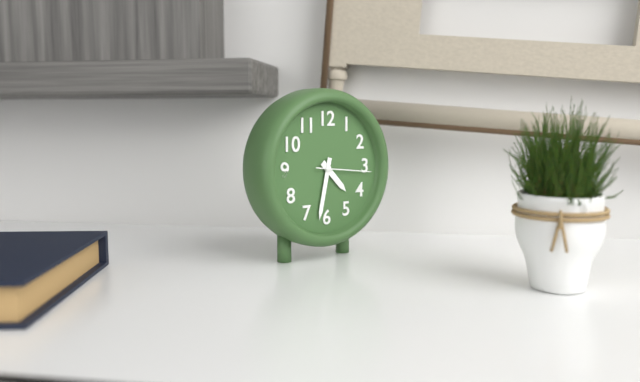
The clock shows h=4 m=32 s=16
